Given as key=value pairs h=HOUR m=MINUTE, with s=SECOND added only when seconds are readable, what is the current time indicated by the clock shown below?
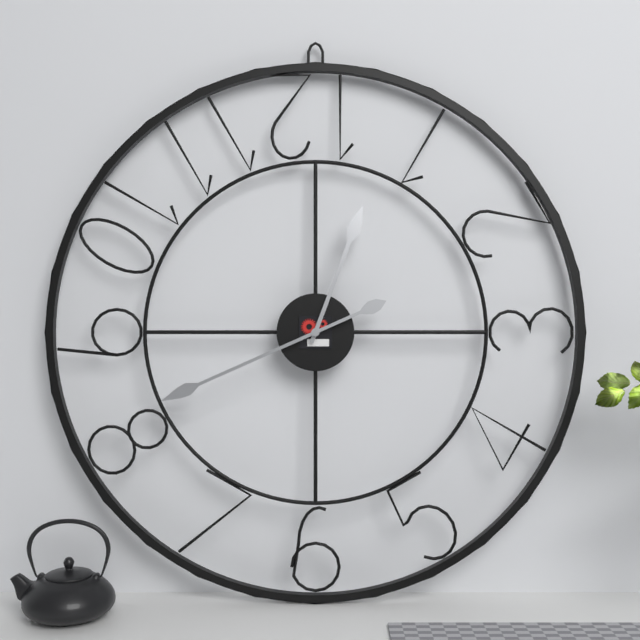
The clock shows h=12 m=41
